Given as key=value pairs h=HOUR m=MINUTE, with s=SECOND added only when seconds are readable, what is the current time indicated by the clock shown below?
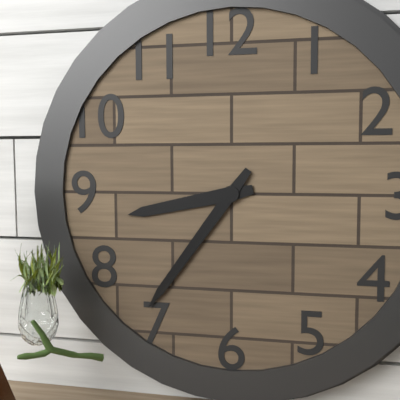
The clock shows h=8 m=36
